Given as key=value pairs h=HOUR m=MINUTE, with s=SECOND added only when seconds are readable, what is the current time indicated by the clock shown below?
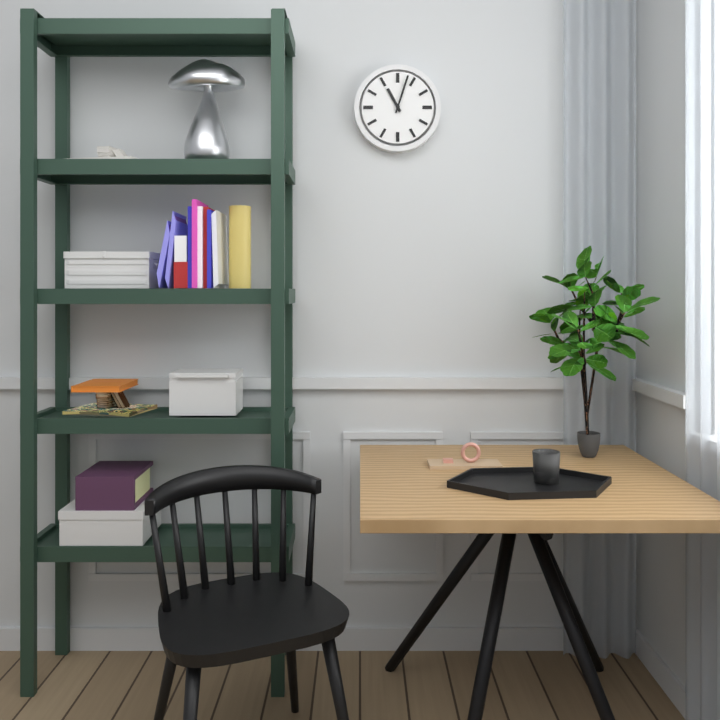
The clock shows h=11 m=3
